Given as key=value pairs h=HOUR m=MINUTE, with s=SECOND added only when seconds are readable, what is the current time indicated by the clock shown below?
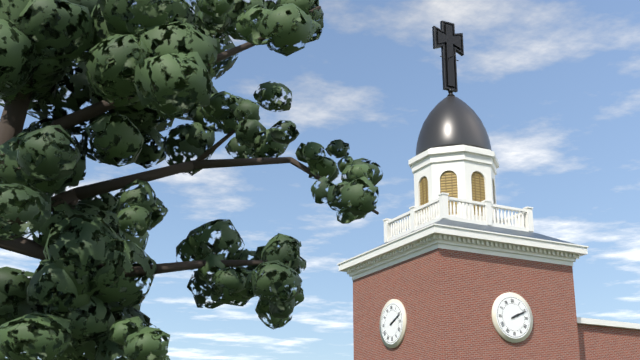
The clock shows h=2 m=11
